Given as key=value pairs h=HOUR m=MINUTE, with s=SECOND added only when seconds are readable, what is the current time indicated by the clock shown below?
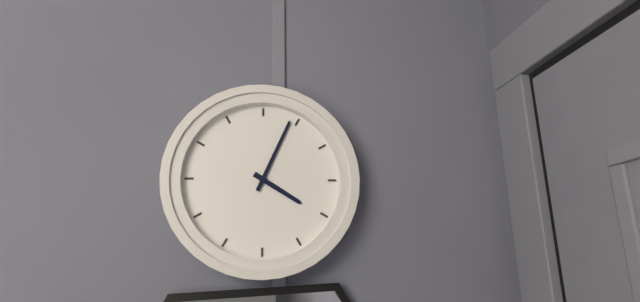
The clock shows h=4 m=4
